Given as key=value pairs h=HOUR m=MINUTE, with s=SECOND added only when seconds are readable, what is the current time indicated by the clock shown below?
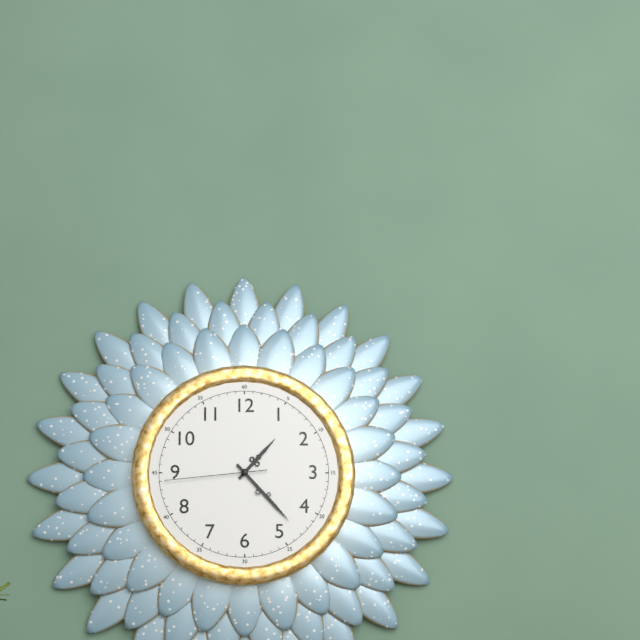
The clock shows h=1 m=23 s=44
